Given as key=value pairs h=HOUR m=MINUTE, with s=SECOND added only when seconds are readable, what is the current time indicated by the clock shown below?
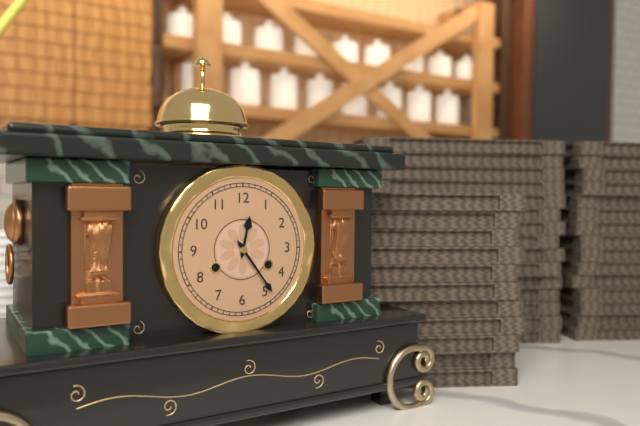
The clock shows h=12 m=24
